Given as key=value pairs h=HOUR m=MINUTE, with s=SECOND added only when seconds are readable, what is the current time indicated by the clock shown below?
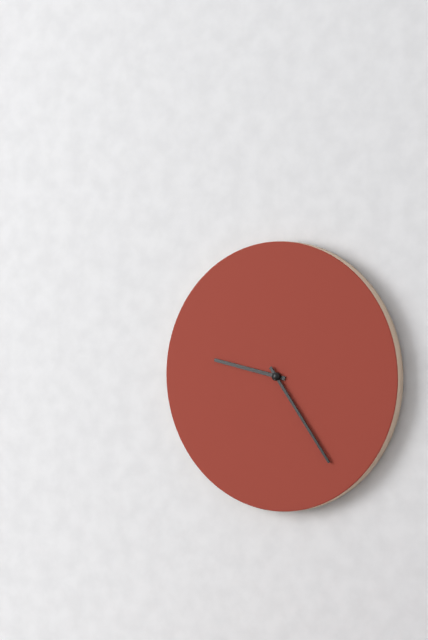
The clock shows h=9 m=24
